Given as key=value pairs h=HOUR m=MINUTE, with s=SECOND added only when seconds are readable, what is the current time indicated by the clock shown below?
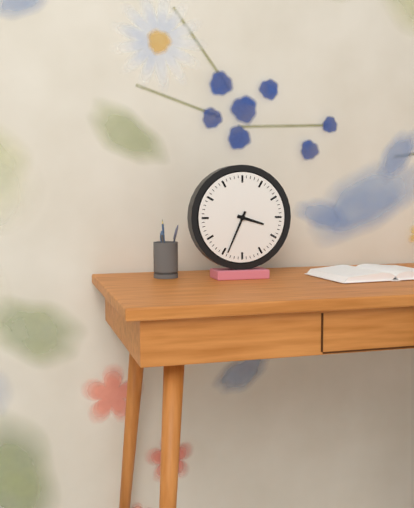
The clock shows h=3 m=34
